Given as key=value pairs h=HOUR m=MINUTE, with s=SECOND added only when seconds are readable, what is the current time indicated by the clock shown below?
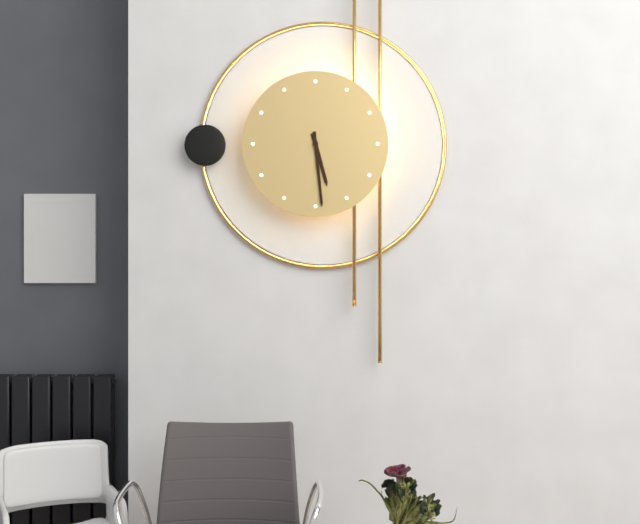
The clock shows h=5 m=29
